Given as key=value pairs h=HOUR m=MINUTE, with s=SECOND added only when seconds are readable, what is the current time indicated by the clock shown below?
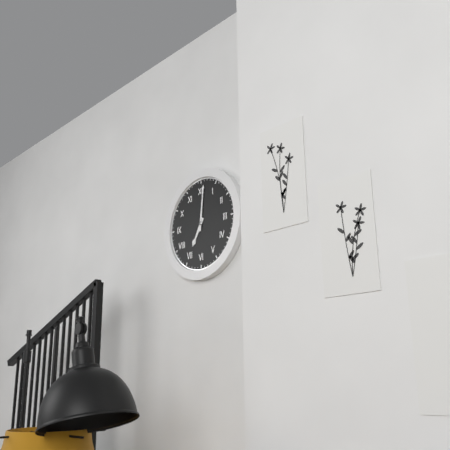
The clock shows h=7 m=1
